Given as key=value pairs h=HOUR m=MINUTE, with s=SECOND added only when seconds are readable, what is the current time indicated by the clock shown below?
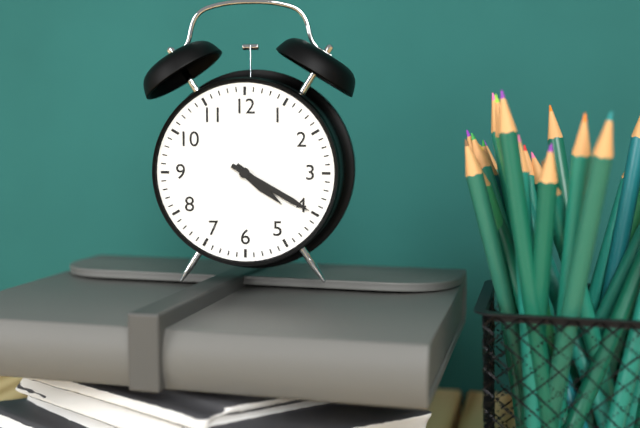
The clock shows h=4 m=20
